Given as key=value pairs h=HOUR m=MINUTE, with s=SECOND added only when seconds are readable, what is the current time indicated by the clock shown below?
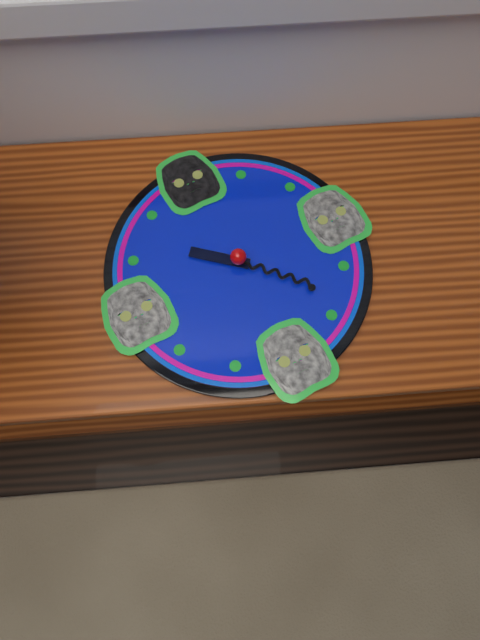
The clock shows h=10 m=23
